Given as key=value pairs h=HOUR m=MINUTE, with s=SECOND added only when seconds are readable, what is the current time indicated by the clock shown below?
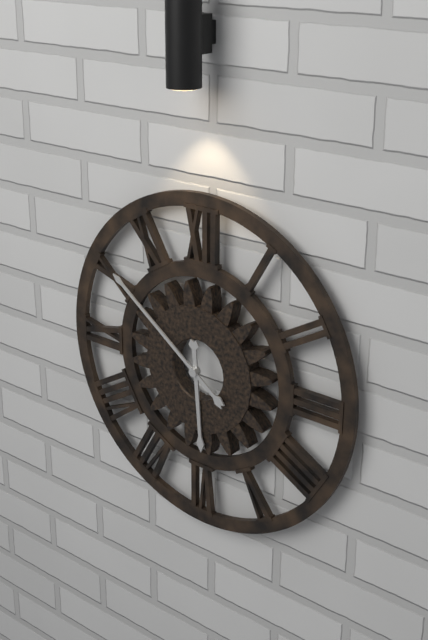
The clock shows h=5 m=51
